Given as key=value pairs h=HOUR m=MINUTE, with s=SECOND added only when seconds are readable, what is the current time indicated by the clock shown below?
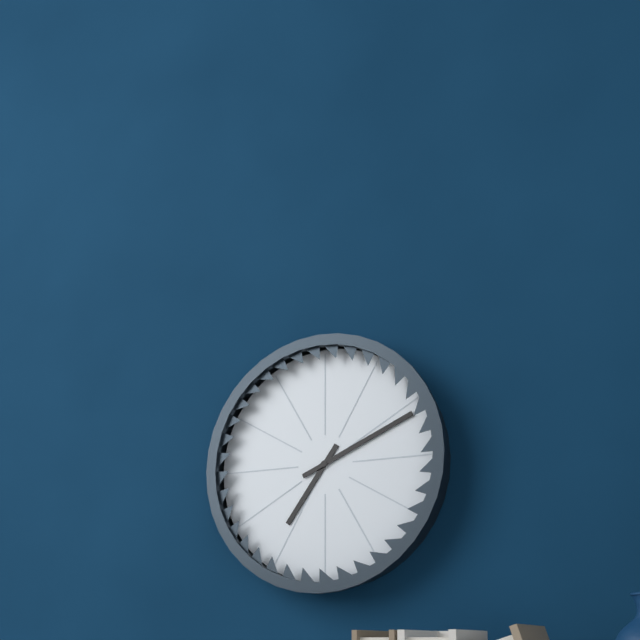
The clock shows h=7 m=11
